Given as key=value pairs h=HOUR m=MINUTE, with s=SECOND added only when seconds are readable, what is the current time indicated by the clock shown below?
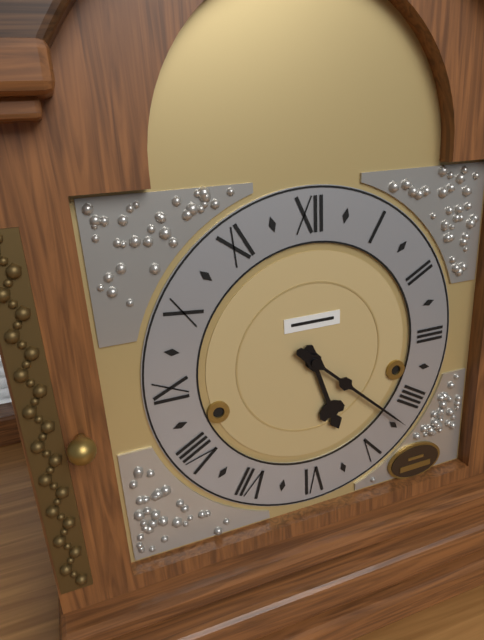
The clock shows h=5 m=22
